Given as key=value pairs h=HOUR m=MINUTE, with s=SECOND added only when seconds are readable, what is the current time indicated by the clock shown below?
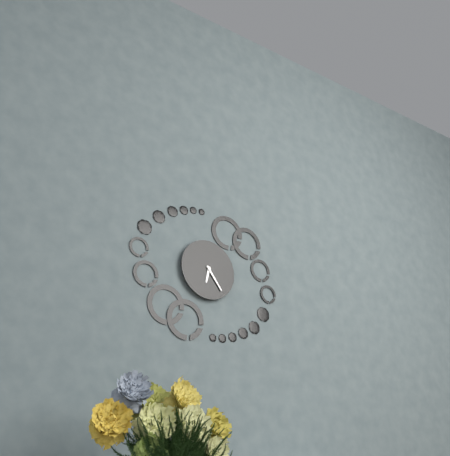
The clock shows h=6 m=24
